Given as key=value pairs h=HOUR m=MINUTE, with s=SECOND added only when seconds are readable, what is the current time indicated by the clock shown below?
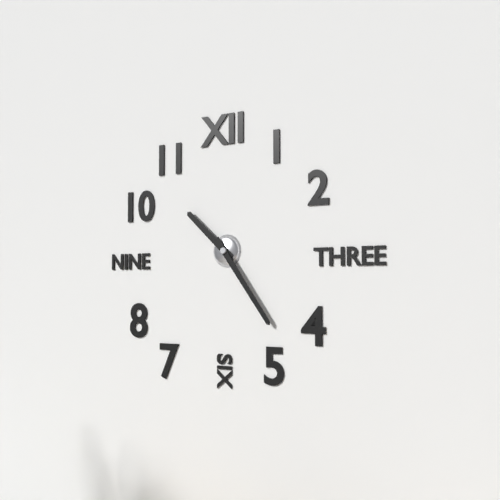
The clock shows h=10 m=24
